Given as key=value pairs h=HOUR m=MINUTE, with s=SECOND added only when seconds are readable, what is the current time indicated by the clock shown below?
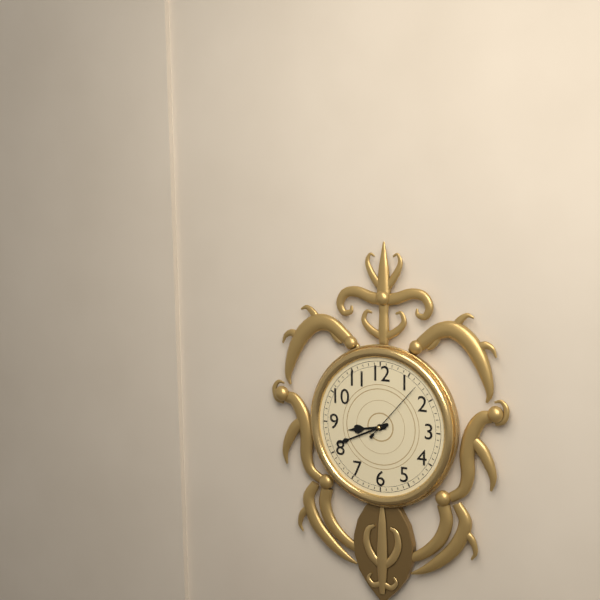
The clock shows h=8 m=41 s=7
